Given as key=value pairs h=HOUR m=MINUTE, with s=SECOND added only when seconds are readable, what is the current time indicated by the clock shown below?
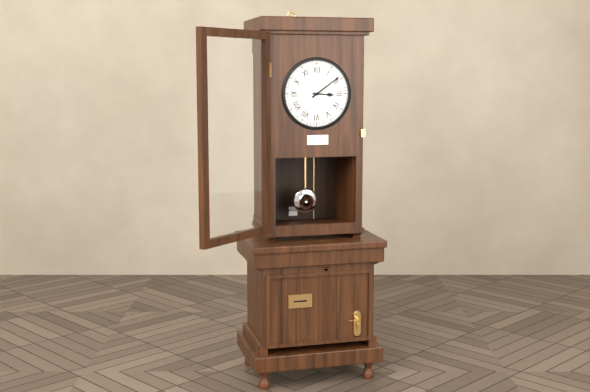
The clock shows h=3 m=9
